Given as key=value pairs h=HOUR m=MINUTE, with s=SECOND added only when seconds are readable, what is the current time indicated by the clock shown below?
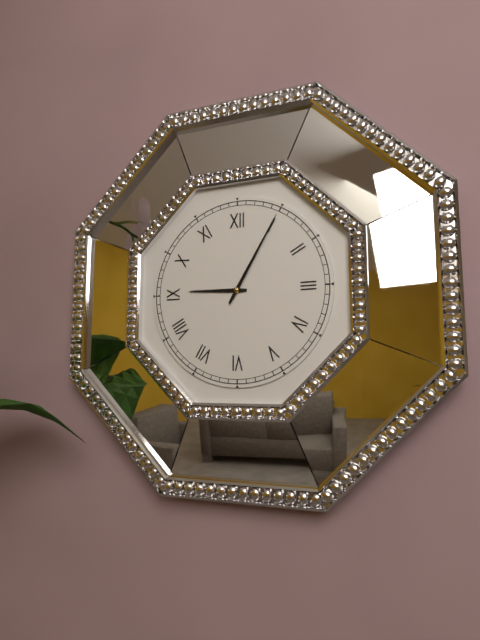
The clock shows h=9 m=5
